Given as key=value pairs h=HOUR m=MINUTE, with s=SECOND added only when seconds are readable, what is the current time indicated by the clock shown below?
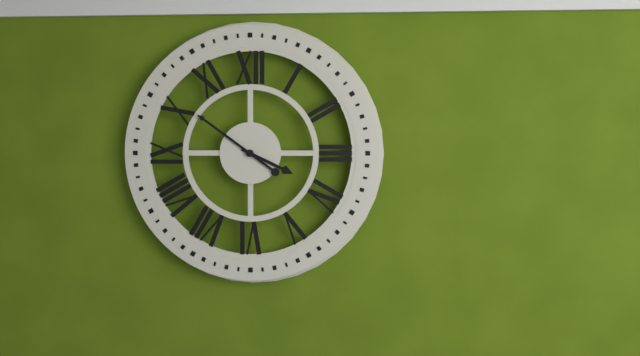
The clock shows h=3 m=51
